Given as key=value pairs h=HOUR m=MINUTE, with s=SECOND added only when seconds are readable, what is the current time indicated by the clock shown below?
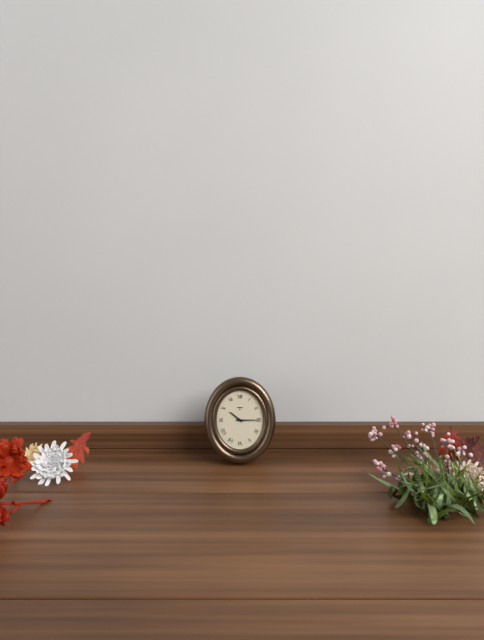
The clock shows h=10 m=15
